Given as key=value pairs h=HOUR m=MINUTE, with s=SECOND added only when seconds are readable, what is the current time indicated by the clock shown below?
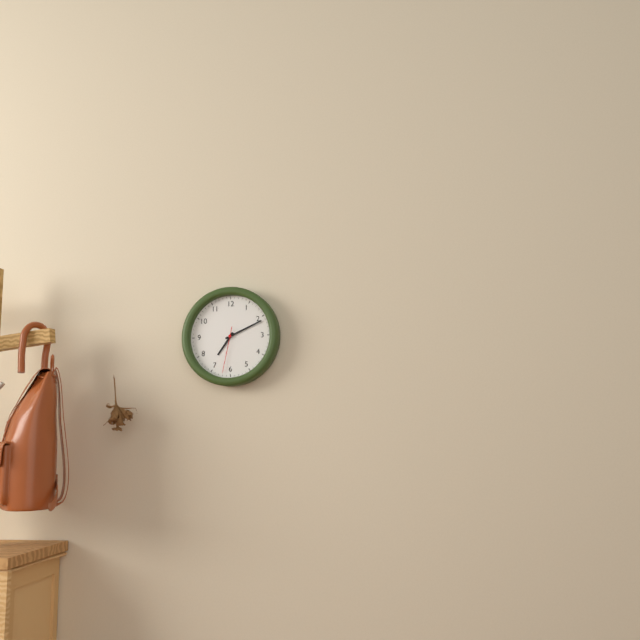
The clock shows h=7 m=11
